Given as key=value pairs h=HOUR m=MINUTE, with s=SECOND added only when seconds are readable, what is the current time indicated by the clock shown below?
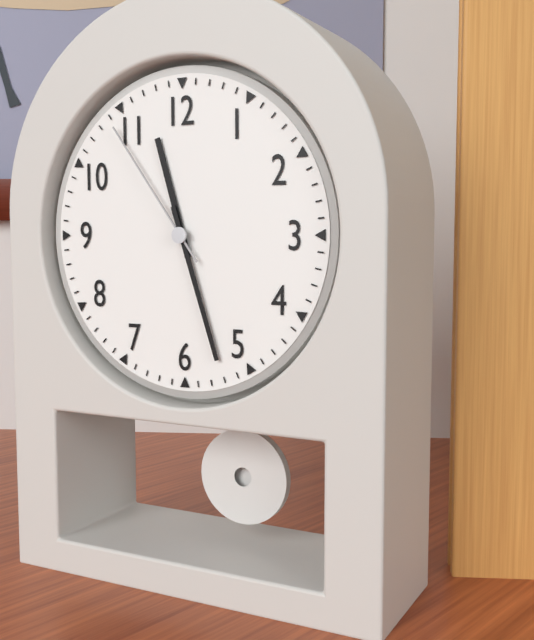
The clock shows h=11 m=27 s=54
